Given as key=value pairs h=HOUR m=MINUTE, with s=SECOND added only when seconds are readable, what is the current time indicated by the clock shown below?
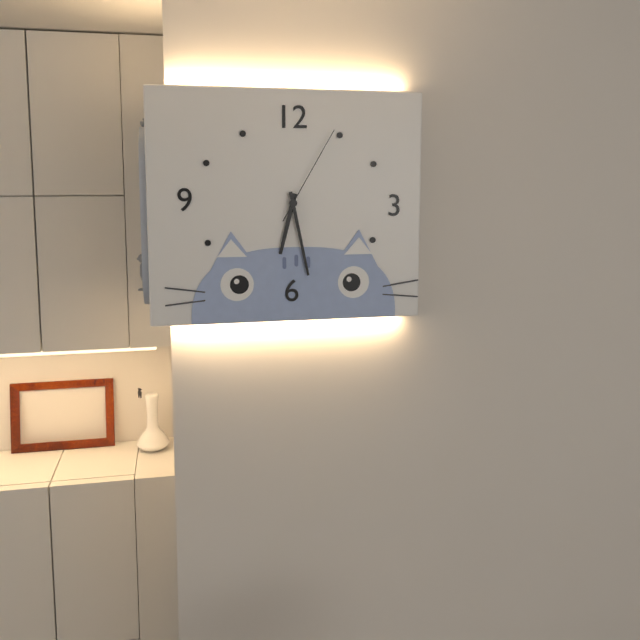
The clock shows h=6 m=28 s=5
